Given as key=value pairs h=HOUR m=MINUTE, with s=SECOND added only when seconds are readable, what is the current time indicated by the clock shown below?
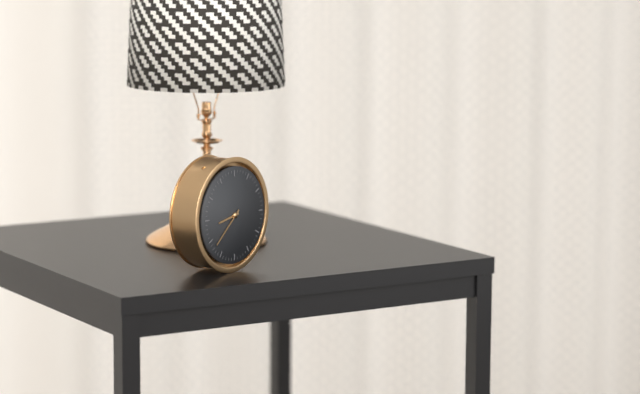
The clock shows h=8 m=38
